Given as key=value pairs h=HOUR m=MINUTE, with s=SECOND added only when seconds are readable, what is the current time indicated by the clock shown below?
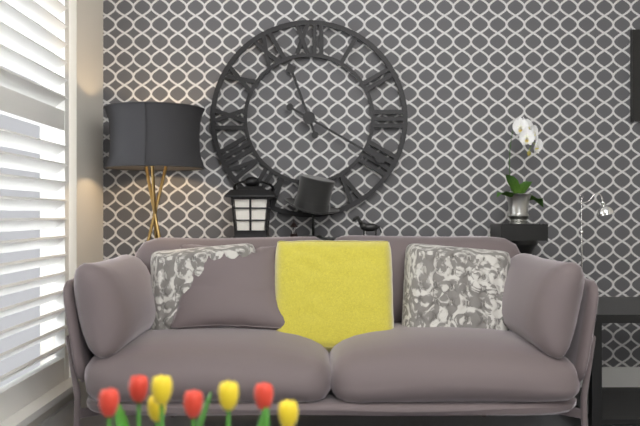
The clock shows h=11 m=20
